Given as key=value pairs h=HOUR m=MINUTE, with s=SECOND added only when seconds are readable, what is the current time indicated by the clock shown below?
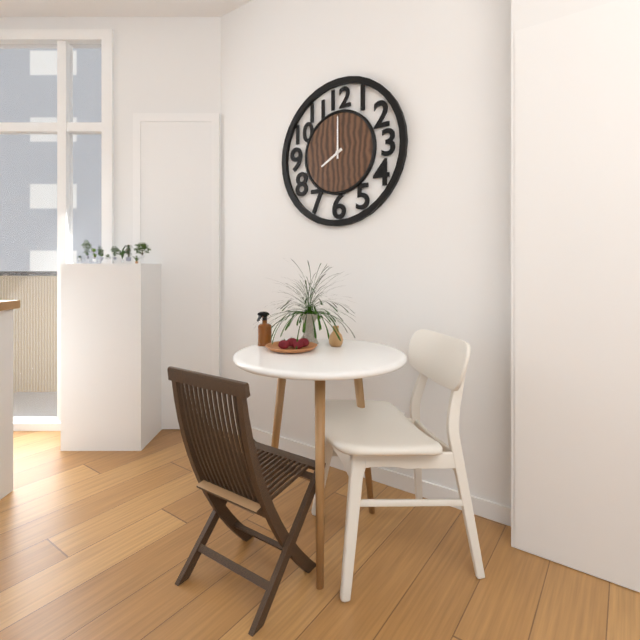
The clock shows h=8 m=0
